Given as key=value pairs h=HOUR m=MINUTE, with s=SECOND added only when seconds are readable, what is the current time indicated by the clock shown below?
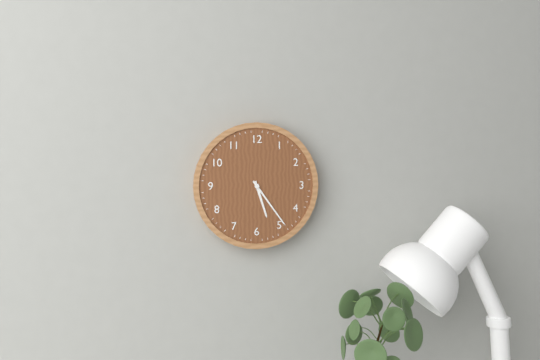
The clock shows h=5 m=24
